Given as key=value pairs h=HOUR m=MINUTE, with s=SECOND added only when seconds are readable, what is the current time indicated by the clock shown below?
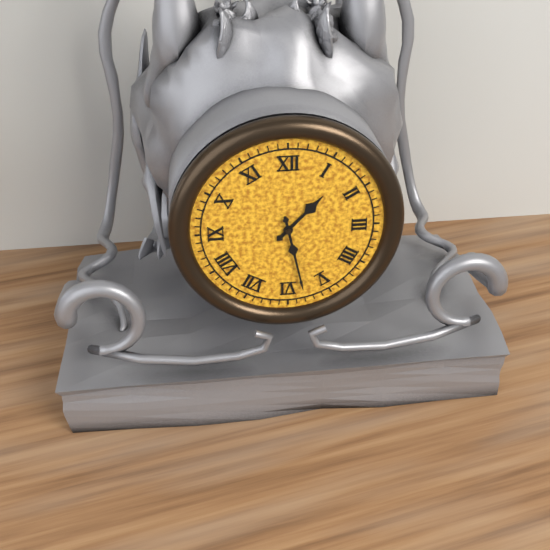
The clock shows h=1 m=28
